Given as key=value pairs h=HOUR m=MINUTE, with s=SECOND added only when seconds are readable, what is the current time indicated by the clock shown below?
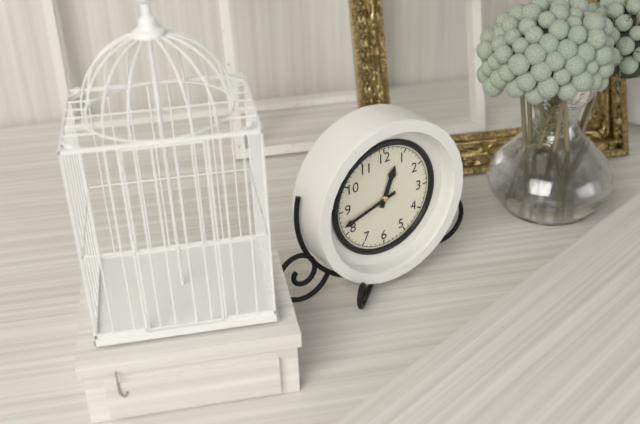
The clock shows h=12 m=42
